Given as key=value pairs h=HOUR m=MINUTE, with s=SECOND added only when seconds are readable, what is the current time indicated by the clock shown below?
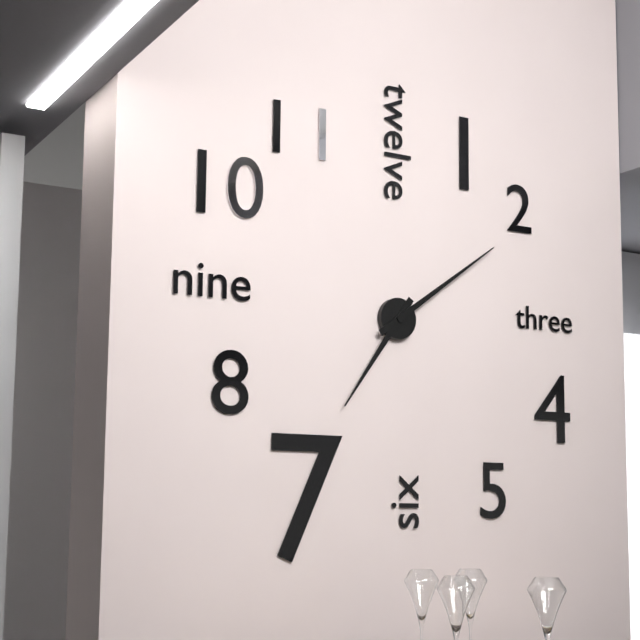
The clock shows h=7 m=9
